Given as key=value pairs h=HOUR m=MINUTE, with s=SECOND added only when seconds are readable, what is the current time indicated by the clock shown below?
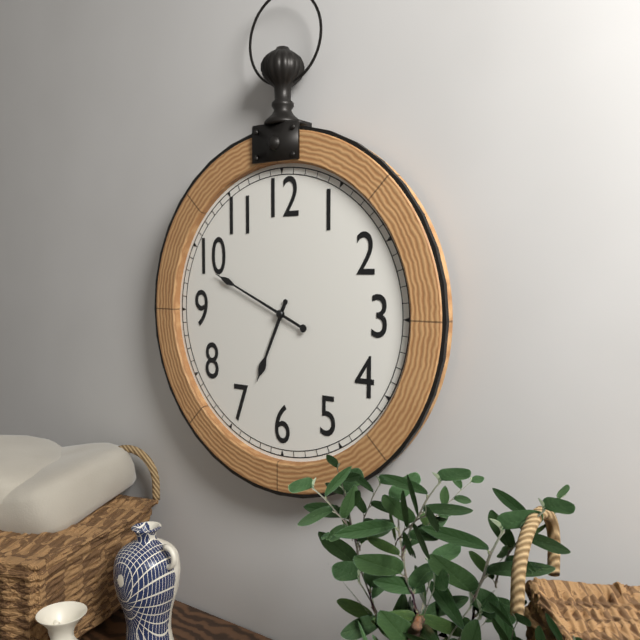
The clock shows h=6 m=49
